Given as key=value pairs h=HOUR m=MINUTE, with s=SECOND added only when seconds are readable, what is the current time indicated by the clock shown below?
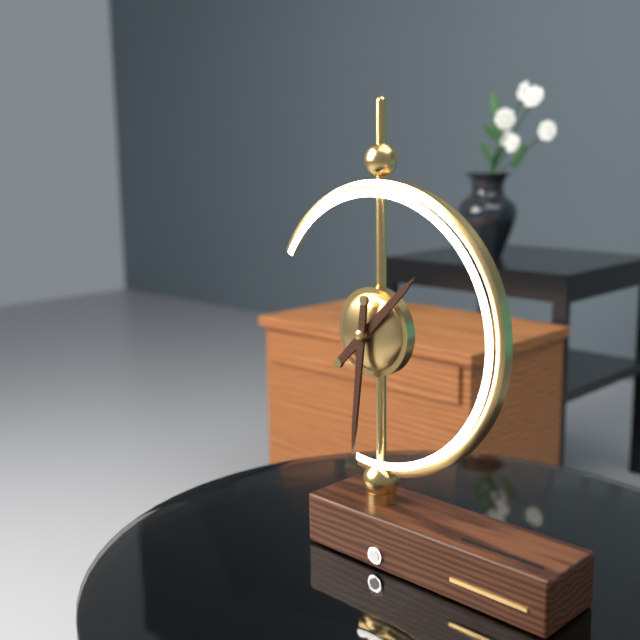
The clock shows h=1 m=31
